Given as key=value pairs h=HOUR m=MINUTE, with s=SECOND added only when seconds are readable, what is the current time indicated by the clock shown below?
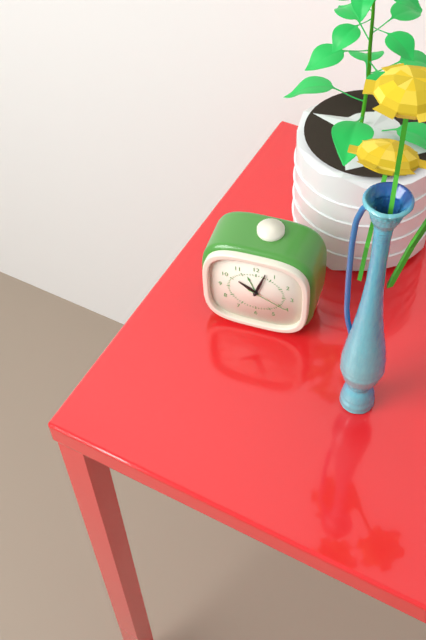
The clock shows h=10 m=3
